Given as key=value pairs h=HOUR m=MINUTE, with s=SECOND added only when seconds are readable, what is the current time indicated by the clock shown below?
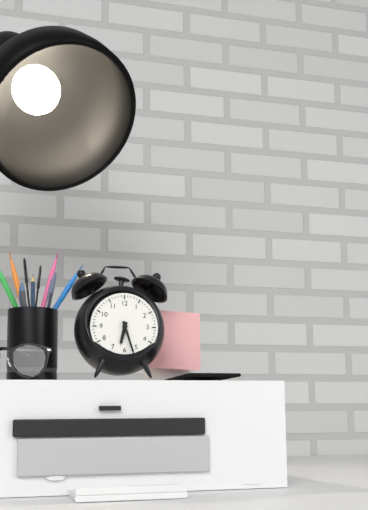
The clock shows h=6 m=27
